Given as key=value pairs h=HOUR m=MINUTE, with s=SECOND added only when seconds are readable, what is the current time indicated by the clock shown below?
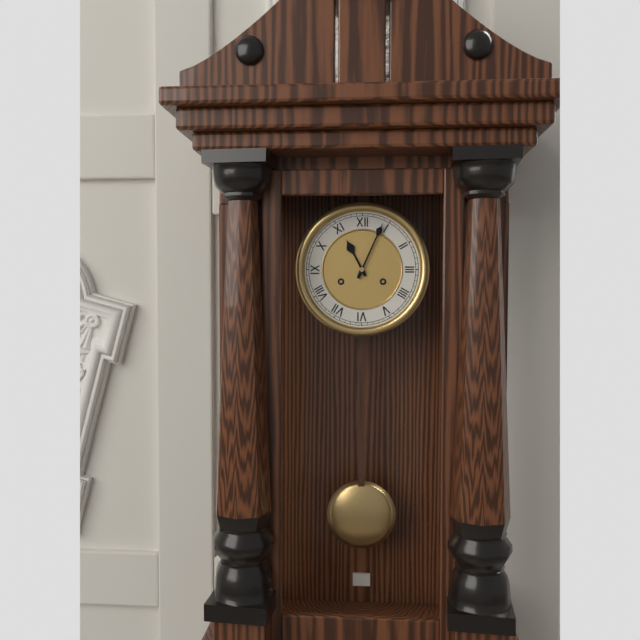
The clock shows h=11 m=4
